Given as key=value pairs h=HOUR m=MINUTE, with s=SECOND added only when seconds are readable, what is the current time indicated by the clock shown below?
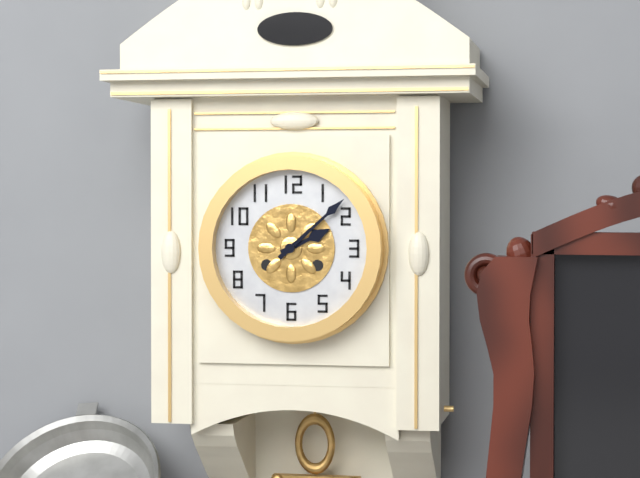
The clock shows h=2 m=8
